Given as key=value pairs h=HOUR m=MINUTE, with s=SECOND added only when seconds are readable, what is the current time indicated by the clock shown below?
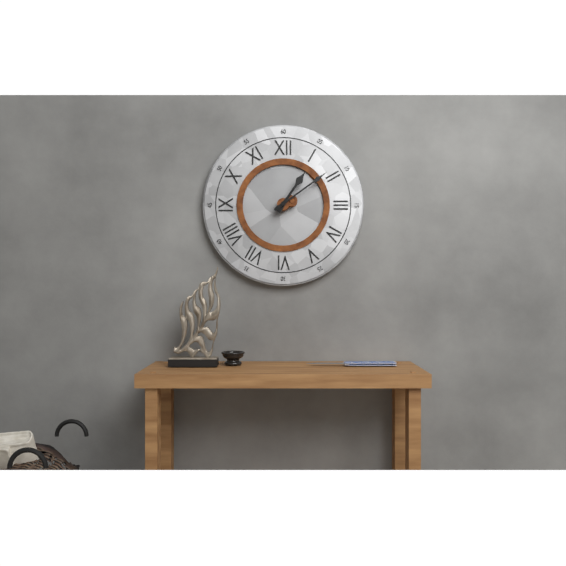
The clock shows h=1 m=9
